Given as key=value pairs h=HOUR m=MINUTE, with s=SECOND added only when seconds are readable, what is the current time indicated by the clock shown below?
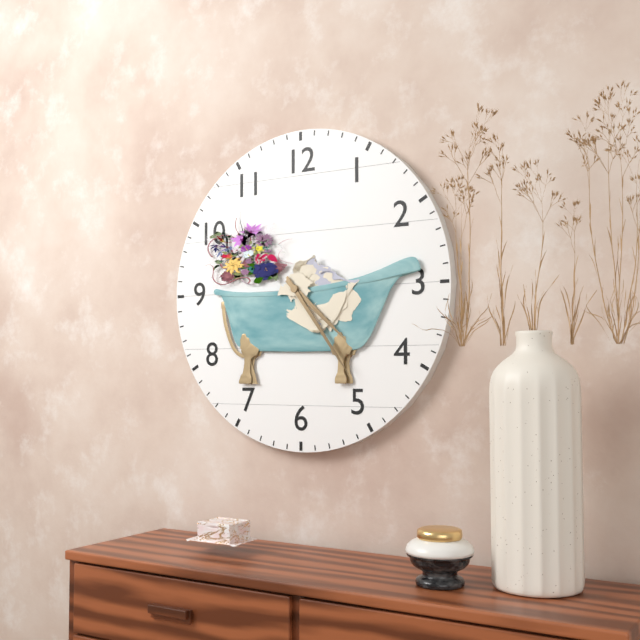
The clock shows h=4 m=24
